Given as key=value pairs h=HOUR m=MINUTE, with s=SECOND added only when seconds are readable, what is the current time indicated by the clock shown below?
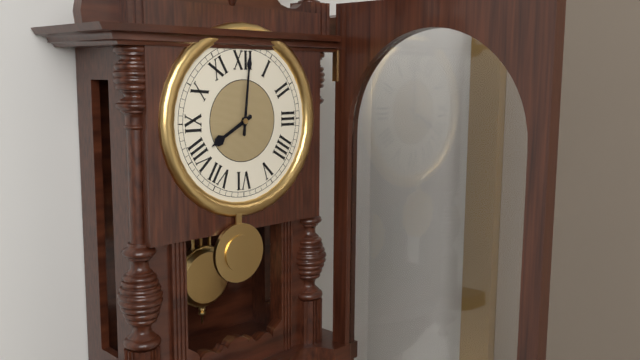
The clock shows h=8 m=1
